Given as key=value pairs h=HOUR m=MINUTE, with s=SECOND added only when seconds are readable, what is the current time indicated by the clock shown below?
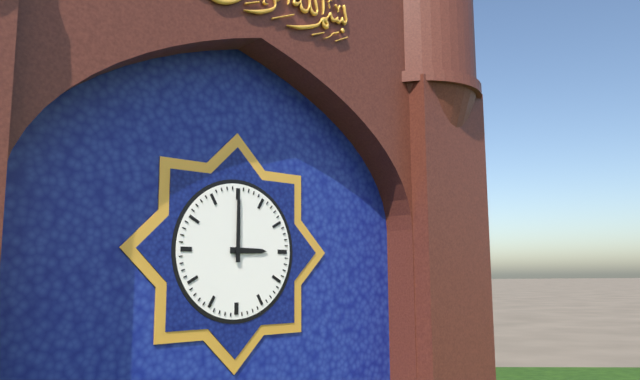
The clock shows h=3 m=0
